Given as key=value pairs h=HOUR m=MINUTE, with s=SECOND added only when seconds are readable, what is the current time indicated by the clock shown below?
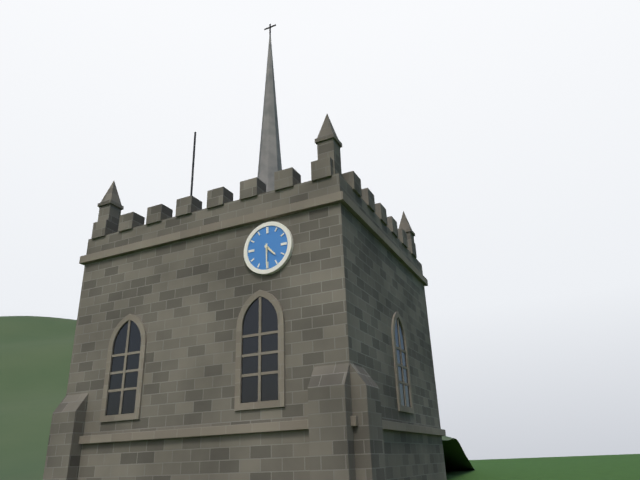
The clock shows h=4 m=30
